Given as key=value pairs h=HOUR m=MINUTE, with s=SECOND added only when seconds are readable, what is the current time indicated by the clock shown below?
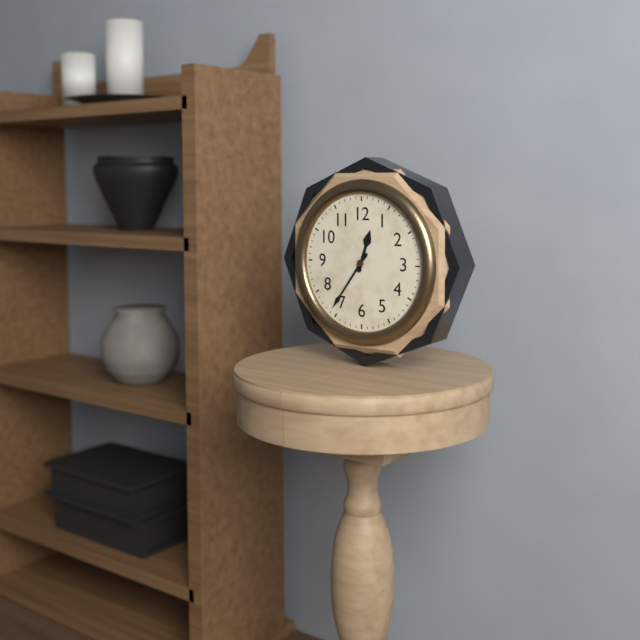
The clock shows h=12 m=36
